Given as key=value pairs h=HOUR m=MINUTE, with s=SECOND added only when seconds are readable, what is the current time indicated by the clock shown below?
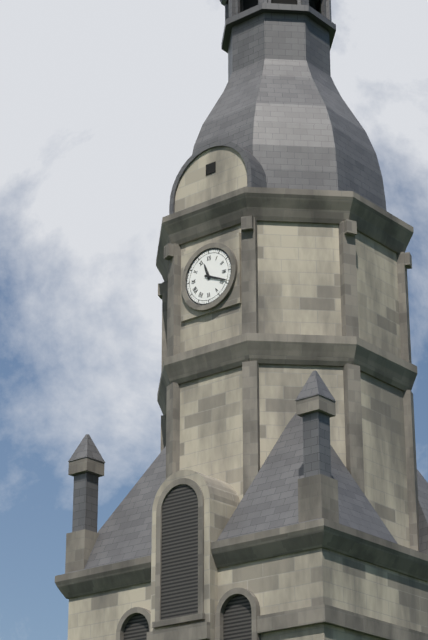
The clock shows h=11 m=19
